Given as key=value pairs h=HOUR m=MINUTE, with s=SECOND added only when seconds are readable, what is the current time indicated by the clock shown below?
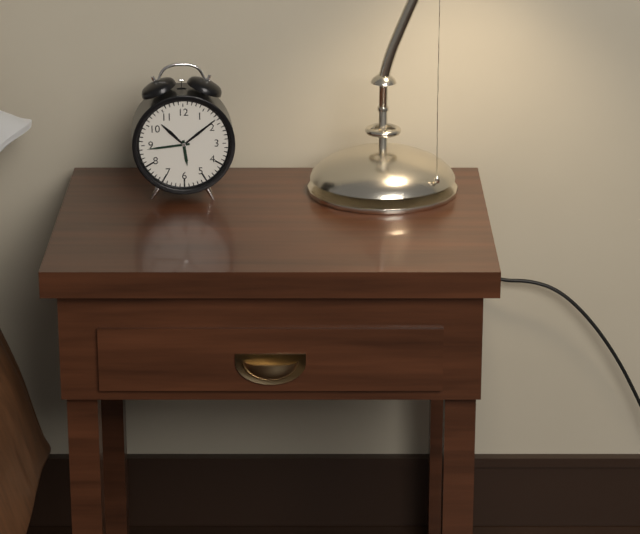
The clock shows h=5 m=44
